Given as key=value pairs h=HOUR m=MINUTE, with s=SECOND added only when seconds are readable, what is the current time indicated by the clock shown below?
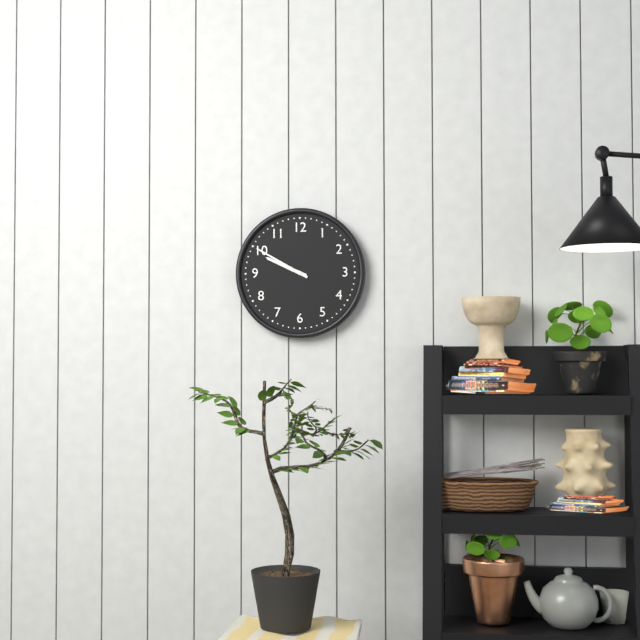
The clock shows h=9 m=50
